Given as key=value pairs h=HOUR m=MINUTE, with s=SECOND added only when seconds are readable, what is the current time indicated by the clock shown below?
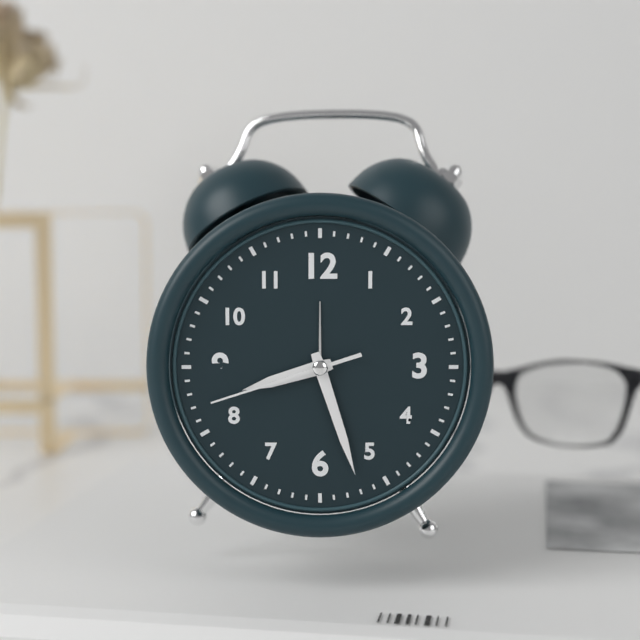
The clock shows h=8 m=27 s=42
